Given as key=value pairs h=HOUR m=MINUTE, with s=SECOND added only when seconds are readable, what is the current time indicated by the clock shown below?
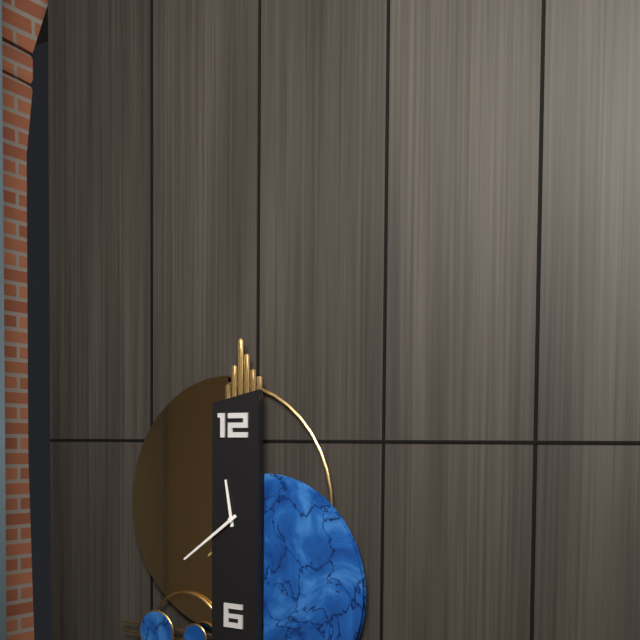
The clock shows h=11 m=39
